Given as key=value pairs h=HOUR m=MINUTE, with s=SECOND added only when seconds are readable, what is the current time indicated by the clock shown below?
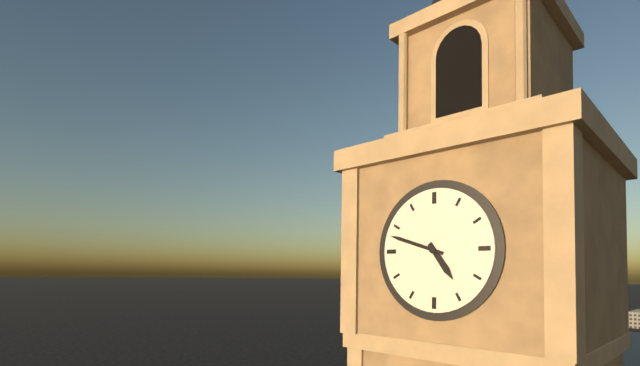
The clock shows h=4 m=48
